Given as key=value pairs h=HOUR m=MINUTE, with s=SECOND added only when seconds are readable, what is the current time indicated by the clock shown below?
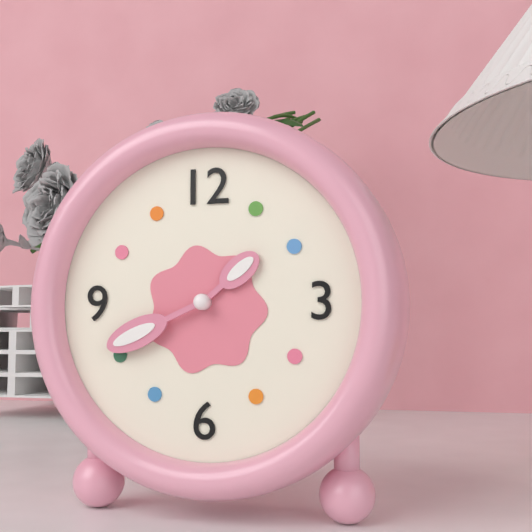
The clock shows h=1 m=41
